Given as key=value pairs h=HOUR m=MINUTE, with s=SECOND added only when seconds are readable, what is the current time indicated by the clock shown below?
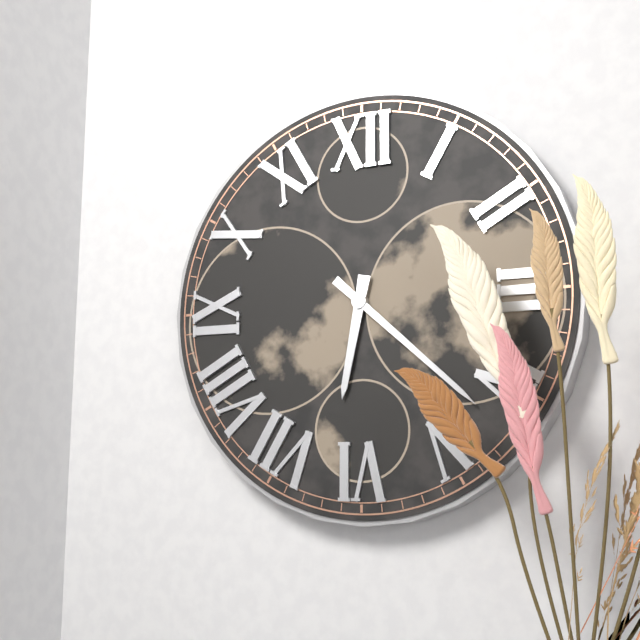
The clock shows h=6 m=22
